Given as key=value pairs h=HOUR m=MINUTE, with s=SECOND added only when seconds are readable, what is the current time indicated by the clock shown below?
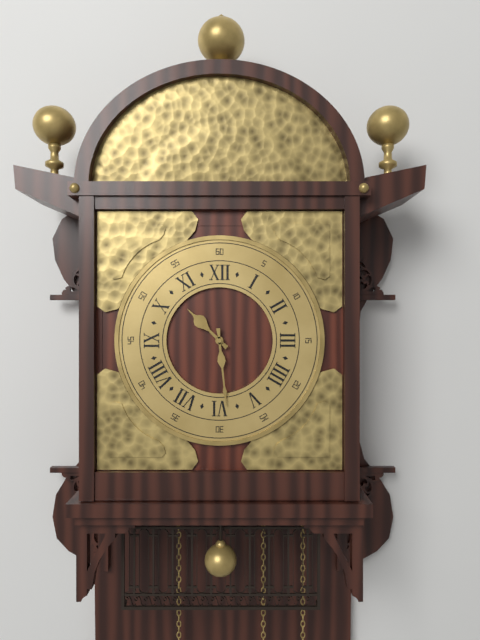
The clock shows h=10 m=29
